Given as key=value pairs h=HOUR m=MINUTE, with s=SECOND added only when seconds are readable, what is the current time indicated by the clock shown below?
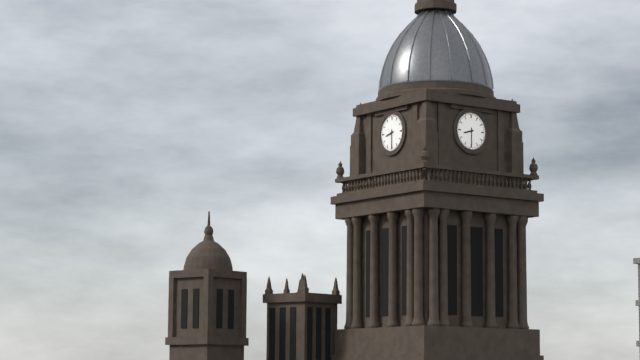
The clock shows h=8 m=30
